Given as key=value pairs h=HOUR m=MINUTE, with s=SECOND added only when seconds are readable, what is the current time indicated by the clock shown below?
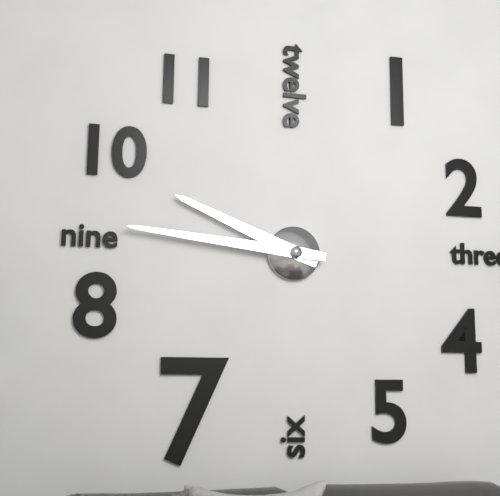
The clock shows h=9 m=46
